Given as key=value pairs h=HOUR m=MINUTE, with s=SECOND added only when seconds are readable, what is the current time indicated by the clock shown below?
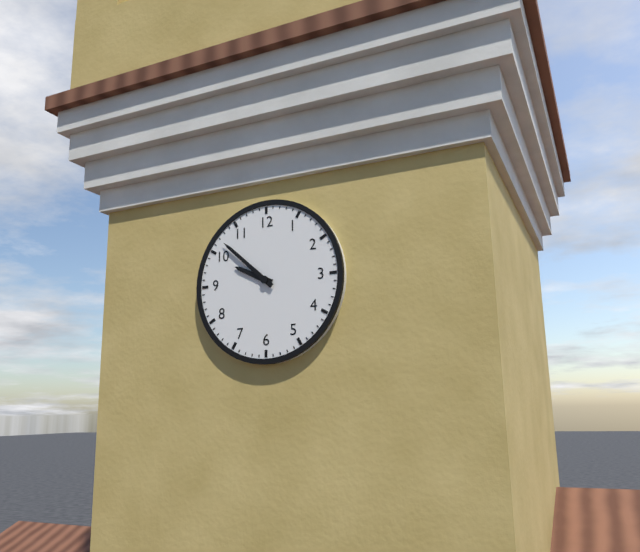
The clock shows h=9 m=52
